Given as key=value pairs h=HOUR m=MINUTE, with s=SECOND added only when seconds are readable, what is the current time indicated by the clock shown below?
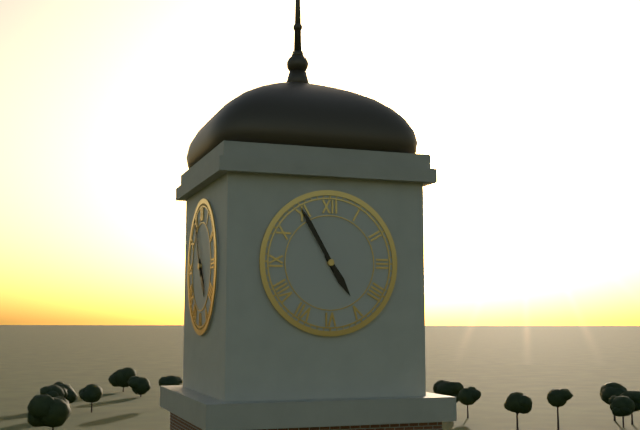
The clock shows h=4 m=55
